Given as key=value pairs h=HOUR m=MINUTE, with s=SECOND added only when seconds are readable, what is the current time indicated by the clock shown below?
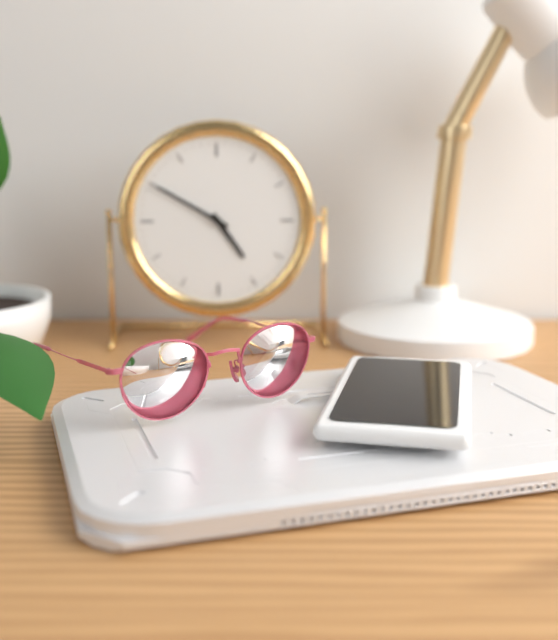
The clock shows h=4 m=50
